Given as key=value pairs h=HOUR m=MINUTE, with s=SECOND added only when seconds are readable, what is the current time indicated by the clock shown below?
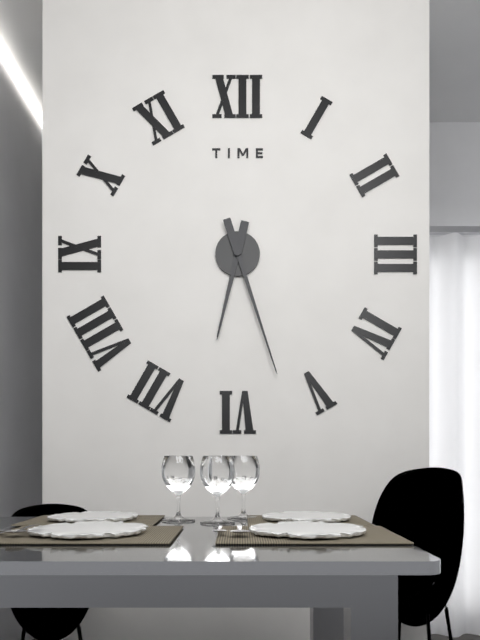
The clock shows h=6 m=27
